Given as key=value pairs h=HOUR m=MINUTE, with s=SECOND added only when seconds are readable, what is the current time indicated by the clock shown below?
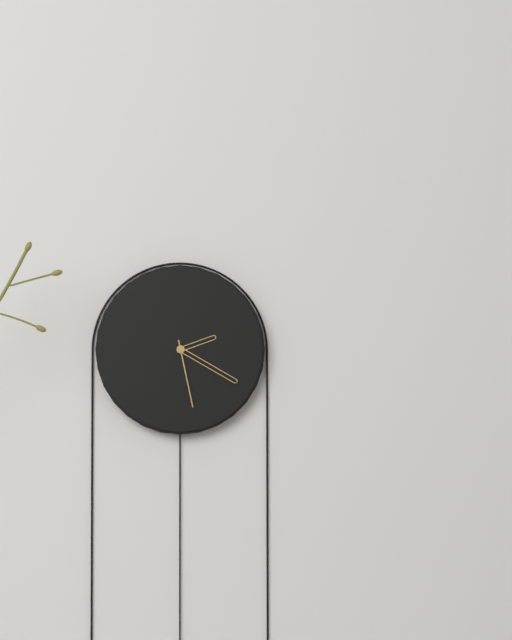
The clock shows h=2 m=20 s=28
